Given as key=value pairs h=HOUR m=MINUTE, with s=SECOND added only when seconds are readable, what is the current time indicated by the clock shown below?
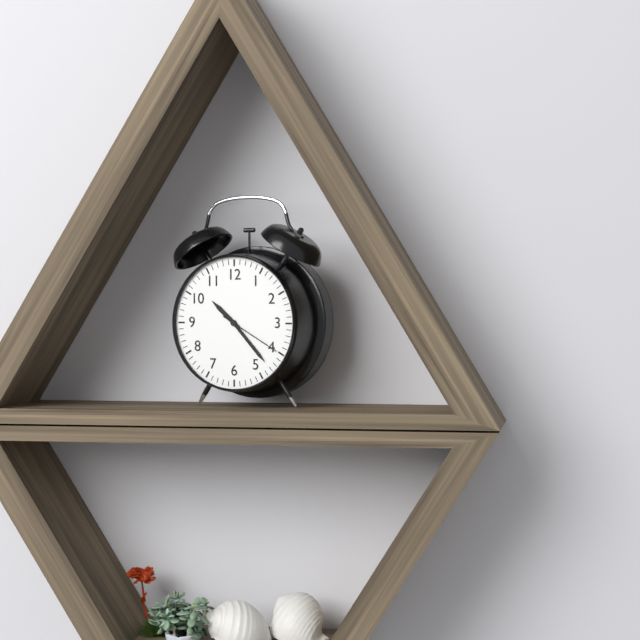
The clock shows h=10 m=23 s=20
